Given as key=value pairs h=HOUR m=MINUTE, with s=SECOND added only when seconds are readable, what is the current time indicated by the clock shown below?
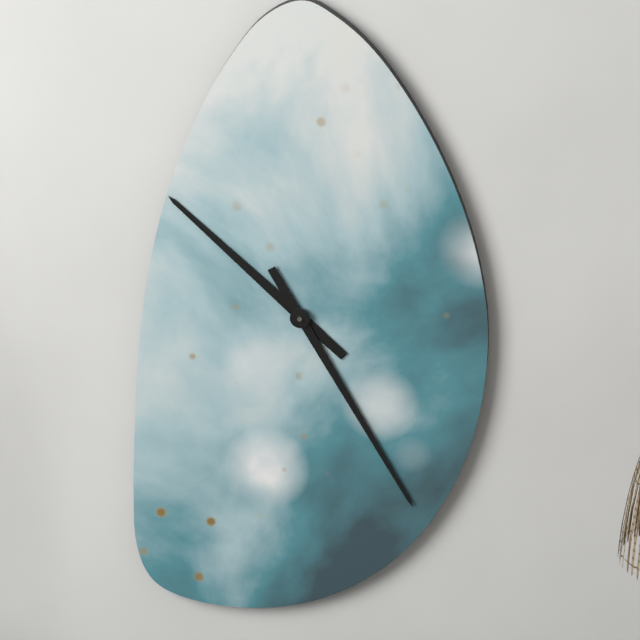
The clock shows h=10 m=25
